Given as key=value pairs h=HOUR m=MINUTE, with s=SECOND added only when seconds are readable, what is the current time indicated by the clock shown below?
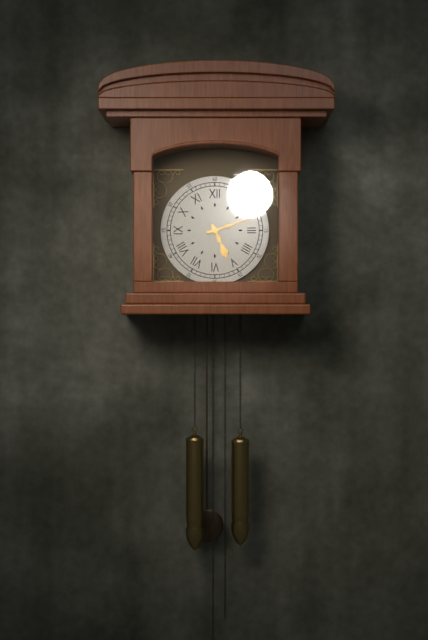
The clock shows h=5 m=12
